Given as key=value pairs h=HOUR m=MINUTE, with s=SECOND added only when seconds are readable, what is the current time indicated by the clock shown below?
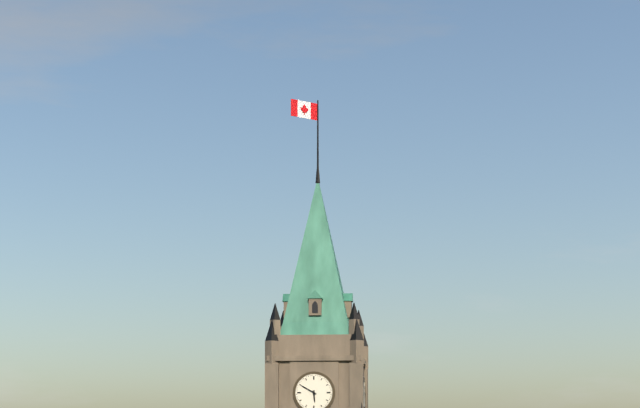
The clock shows h=5 m=50
